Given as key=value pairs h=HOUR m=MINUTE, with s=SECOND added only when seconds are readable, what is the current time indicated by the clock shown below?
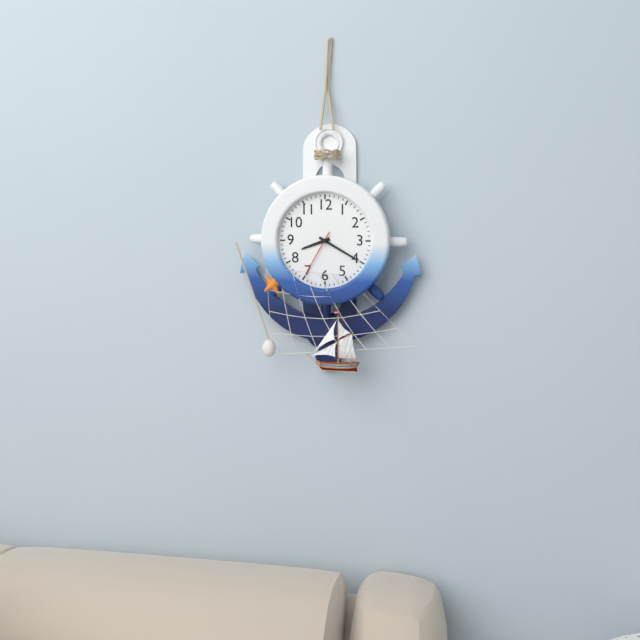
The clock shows h=8 m=20 s=35
